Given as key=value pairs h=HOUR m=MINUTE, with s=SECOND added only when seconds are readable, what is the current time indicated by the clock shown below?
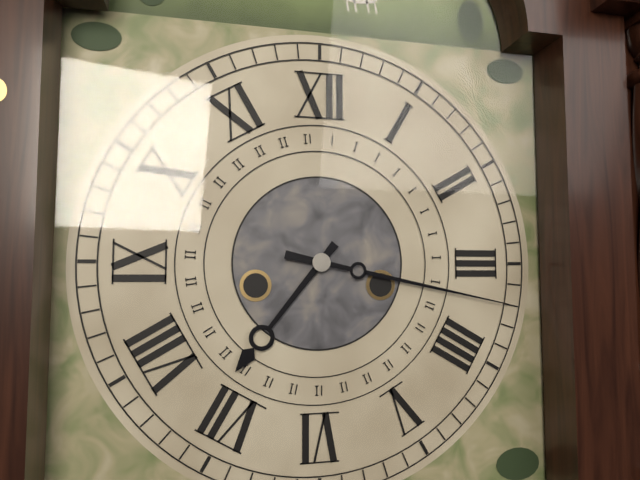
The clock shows h=7 m=17
